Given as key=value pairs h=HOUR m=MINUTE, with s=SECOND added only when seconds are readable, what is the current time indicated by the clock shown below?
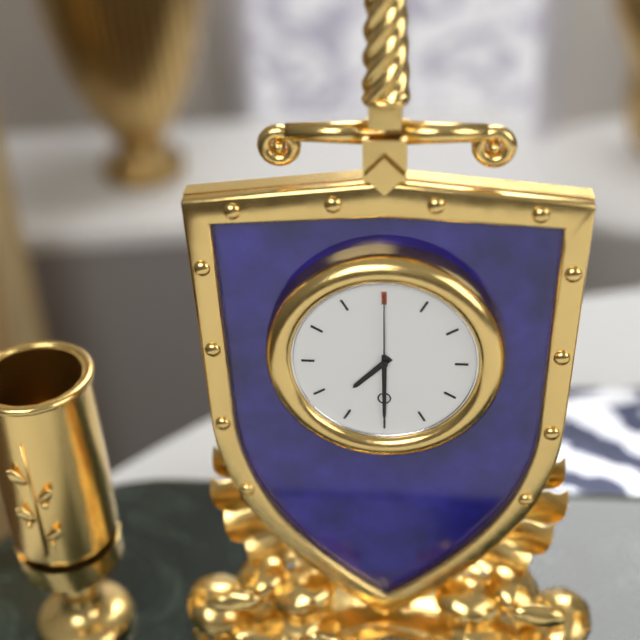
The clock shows h=7 m=30 s=0
